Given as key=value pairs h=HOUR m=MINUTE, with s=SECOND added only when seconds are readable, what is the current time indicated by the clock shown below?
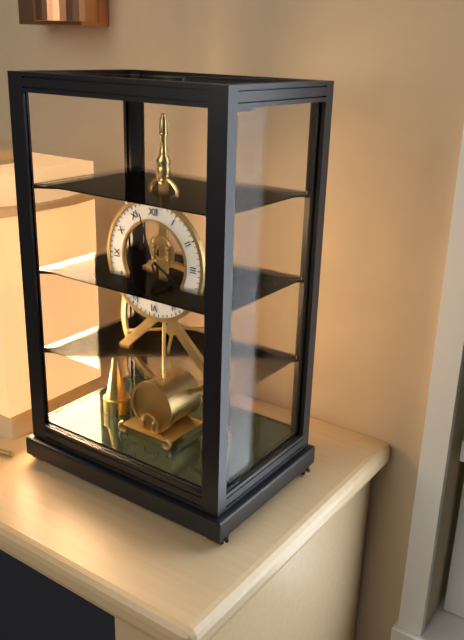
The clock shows h=3 m=57
